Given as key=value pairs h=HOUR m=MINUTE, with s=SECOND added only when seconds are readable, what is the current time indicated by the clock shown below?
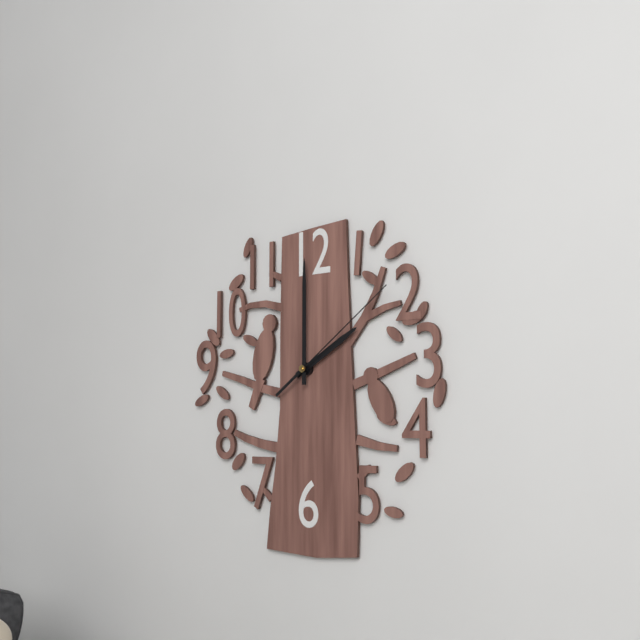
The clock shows h=2 m=0 s=9
